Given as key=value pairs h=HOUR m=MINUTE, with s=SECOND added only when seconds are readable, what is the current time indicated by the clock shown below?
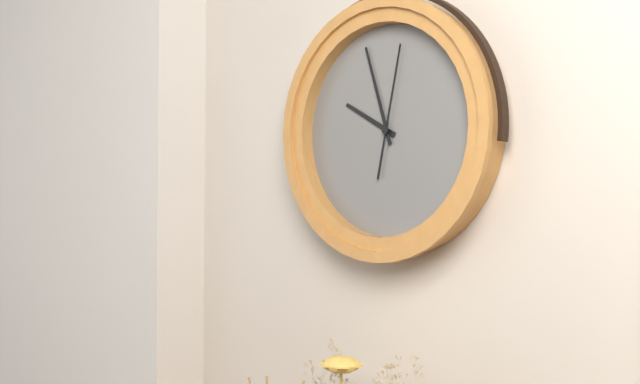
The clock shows h=9 m=57 s=2
